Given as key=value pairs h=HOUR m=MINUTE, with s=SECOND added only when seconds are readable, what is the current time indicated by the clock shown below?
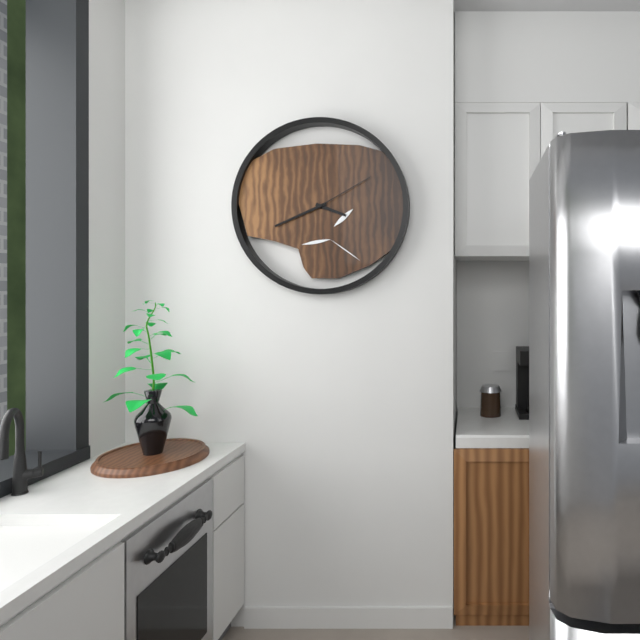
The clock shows h=3 m=41 s=10
